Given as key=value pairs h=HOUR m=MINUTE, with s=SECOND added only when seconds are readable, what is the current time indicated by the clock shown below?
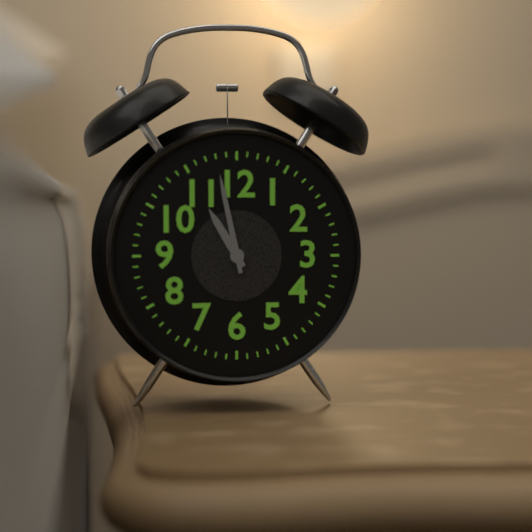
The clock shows h=10 m=58
